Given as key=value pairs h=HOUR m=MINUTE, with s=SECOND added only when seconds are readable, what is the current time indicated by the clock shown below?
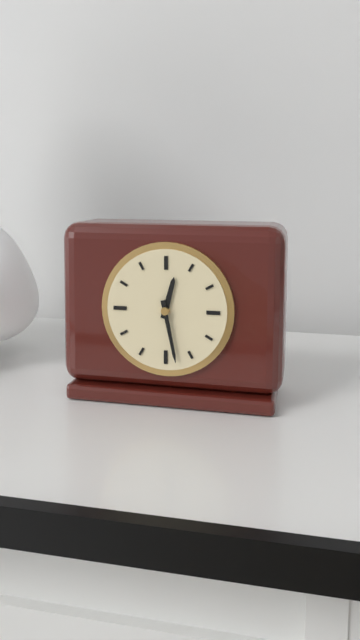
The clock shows h=12 m=28
